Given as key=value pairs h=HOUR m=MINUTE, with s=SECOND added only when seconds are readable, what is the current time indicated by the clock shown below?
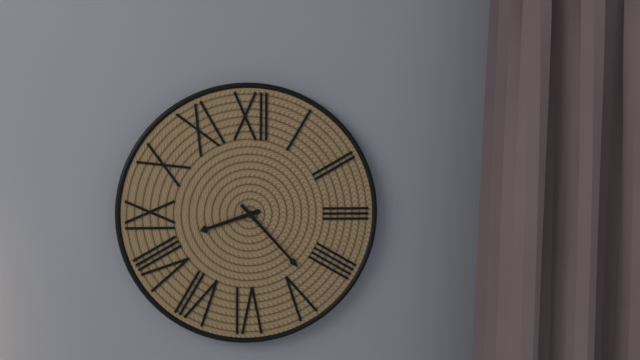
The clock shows h=8 m=23
